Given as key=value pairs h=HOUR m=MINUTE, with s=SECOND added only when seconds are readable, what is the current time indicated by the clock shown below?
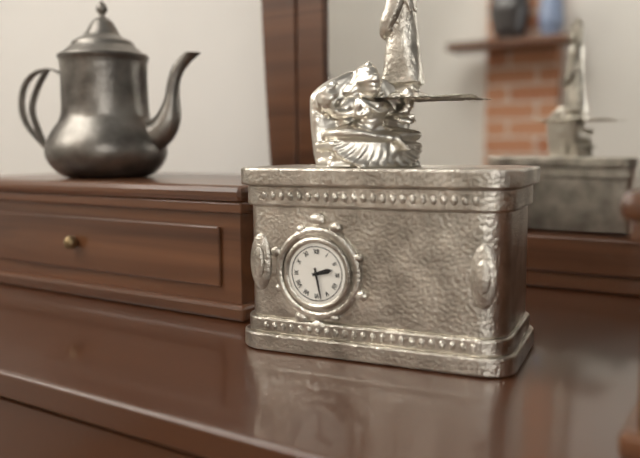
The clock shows h=2 m=28
